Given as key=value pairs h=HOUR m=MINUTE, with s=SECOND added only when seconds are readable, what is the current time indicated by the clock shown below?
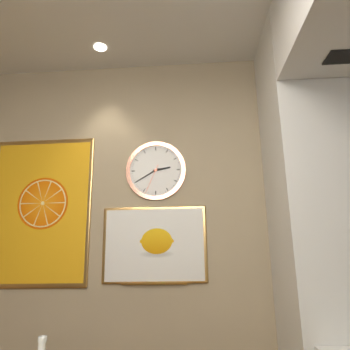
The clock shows h=2 m=40
